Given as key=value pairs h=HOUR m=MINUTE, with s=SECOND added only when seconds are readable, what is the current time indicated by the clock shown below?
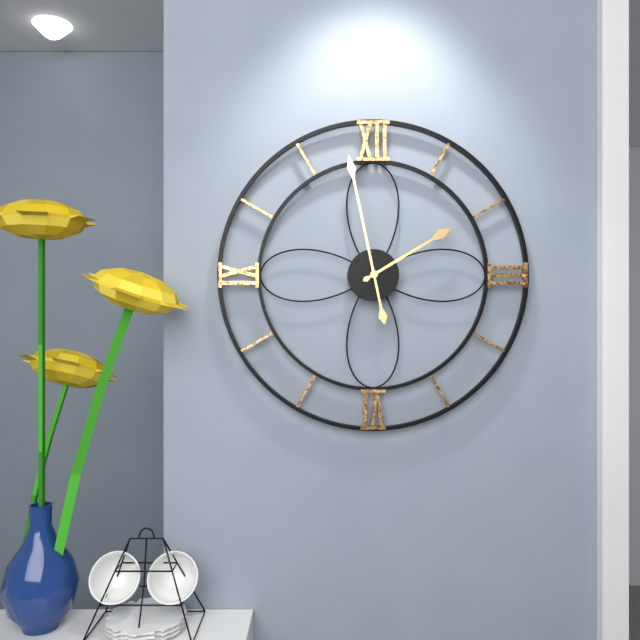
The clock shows h=1 m=58
